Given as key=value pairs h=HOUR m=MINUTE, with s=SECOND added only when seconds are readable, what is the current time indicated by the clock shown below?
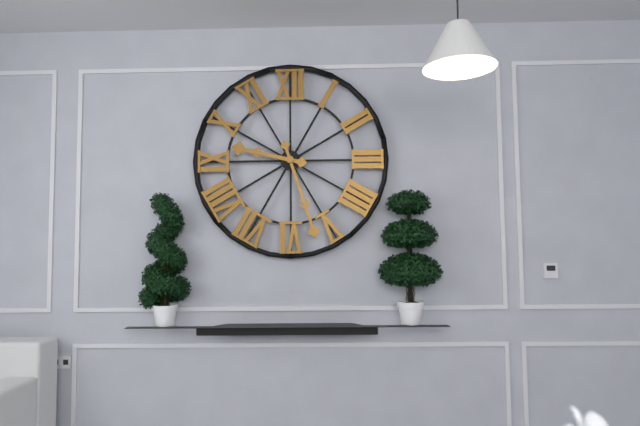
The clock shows h=9 m=27
